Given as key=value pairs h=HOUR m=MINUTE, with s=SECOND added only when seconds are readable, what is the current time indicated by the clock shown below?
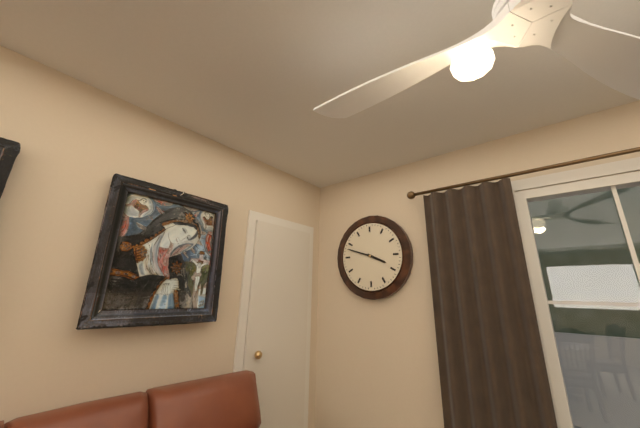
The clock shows h=3 m=48
